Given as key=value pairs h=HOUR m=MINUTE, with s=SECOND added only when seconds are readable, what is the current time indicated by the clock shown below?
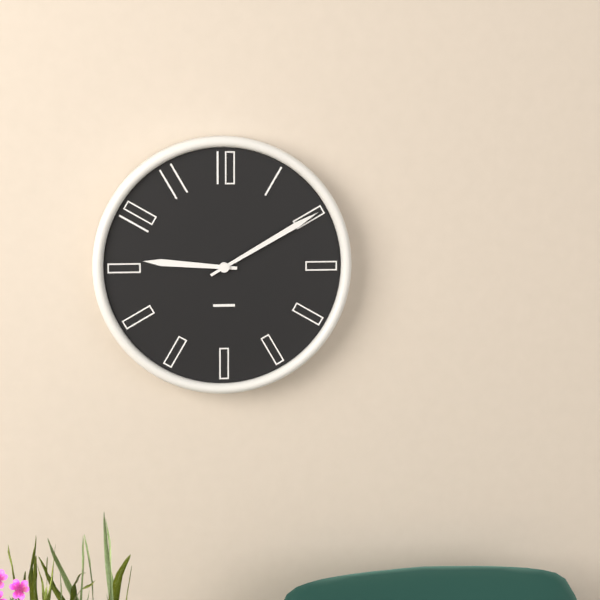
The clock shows h=9 m=10
